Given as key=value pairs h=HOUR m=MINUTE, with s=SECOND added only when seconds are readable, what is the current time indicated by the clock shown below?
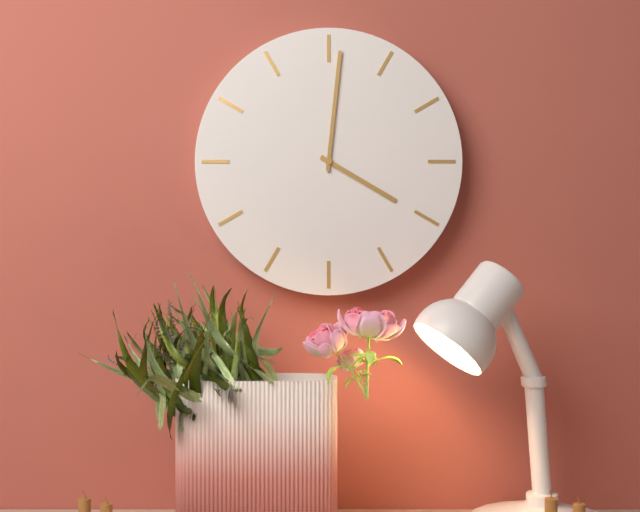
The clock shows h=4 m=1
